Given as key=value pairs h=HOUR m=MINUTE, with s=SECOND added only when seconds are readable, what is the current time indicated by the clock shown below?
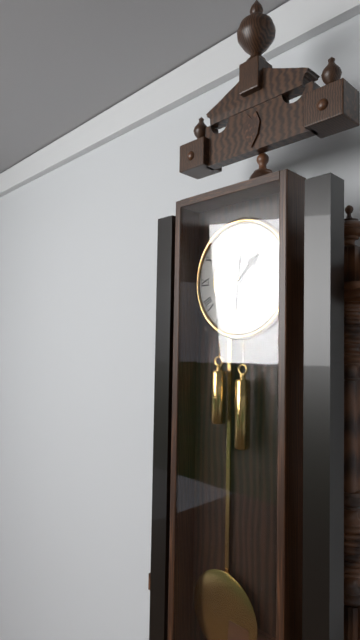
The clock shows h=1 m=31
